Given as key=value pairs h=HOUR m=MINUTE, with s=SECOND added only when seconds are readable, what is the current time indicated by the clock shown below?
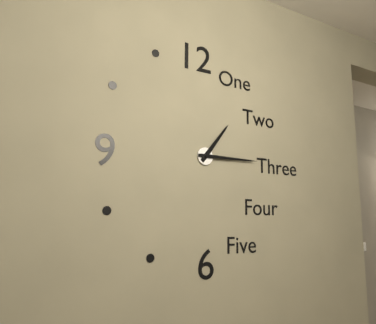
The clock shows h=1 m=15
